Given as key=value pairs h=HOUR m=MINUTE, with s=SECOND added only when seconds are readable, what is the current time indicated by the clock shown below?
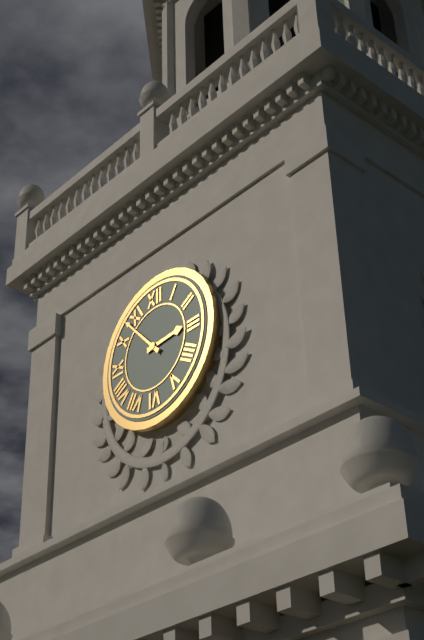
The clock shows h=2 m=53
